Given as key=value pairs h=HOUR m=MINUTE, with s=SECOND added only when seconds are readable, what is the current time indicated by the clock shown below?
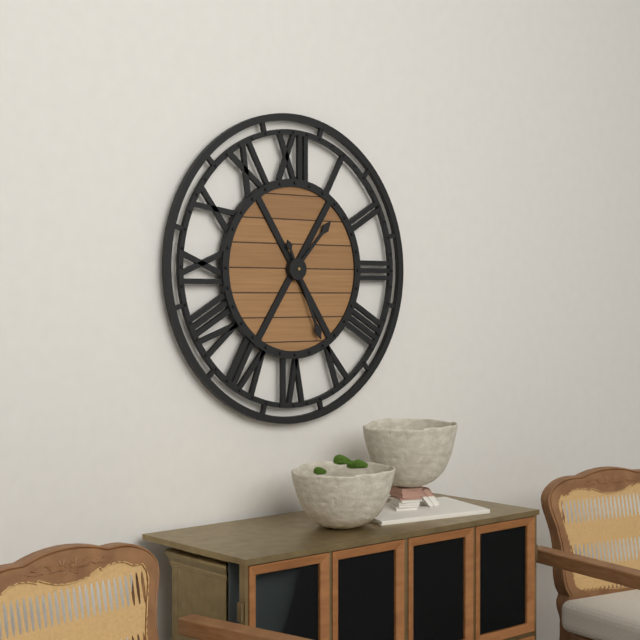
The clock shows h=1 m=26
